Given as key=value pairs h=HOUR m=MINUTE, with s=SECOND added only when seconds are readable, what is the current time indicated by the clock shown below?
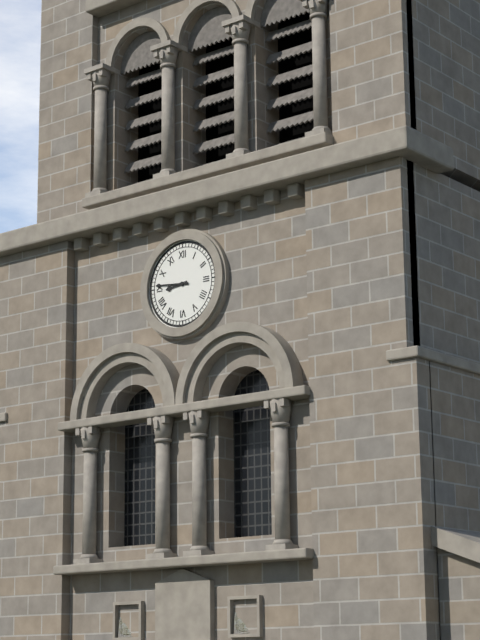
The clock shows h=8 m=46
